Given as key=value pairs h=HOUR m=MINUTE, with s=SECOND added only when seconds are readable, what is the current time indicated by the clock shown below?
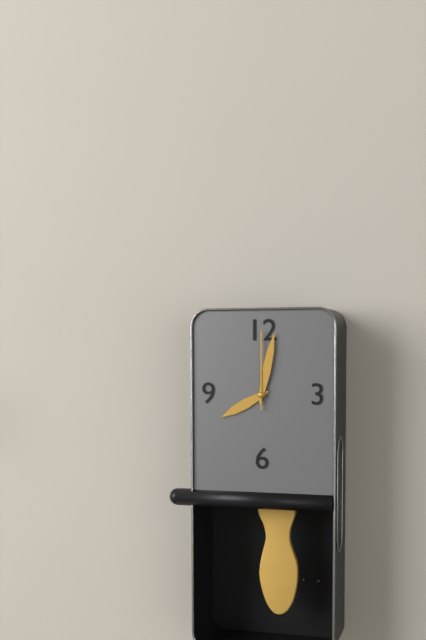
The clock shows h=8 m=2 s=0
